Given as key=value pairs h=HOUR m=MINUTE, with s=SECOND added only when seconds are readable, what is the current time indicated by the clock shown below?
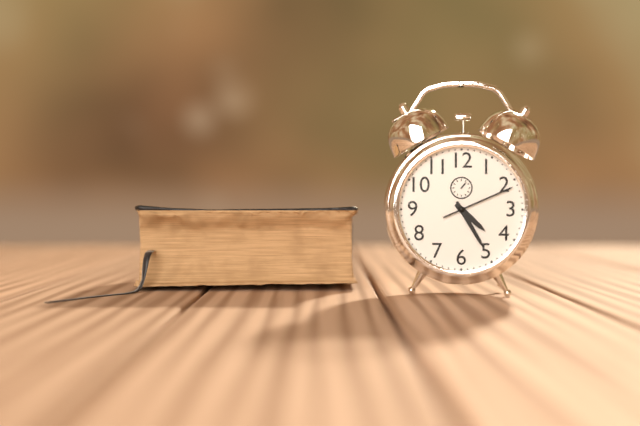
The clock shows h=4 m=25 s=11
